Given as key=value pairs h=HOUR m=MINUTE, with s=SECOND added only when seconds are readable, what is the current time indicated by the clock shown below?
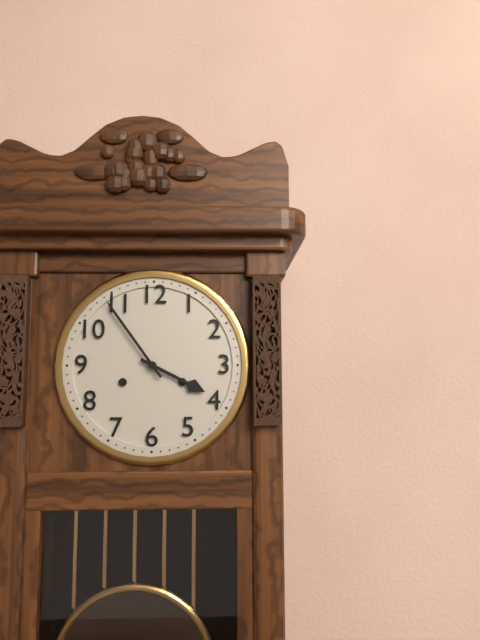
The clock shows h=3 m=54
